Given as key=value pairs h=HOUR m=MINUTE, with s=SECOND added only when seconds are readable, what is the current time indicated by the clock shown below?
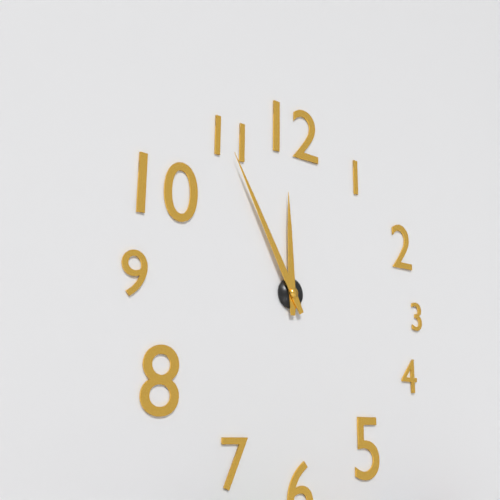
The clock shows h=11 m=55
